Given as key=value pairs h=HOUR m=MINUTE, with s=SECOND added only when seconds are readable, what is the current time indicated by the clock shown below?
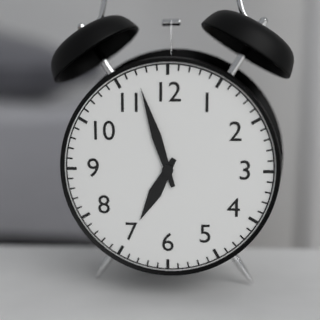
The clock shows h=6 m=57
